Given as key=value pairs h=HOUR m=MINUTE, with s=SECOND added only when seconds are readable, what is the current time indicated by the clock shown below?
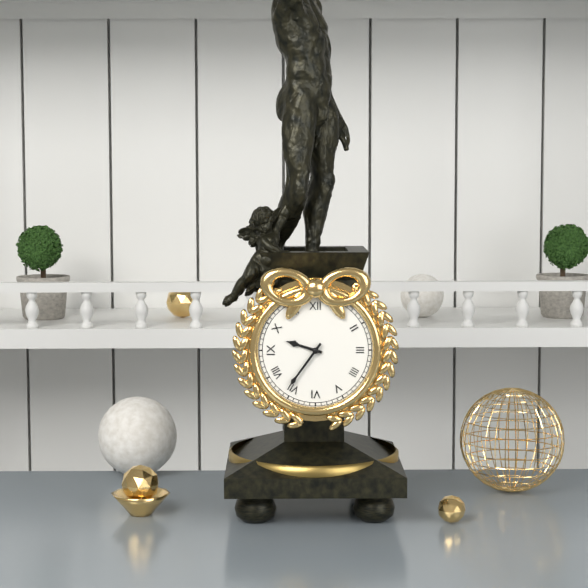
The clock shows h=9 m=36
